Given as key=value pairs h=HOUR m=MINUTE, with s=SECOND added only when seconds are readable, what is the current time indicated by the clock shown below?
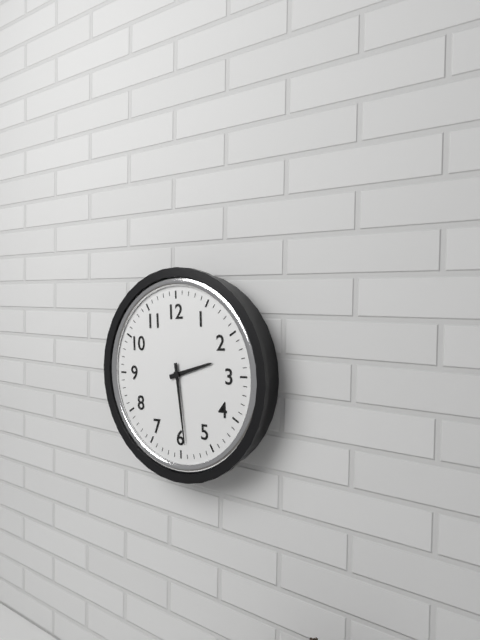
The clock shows h=2 m=29
